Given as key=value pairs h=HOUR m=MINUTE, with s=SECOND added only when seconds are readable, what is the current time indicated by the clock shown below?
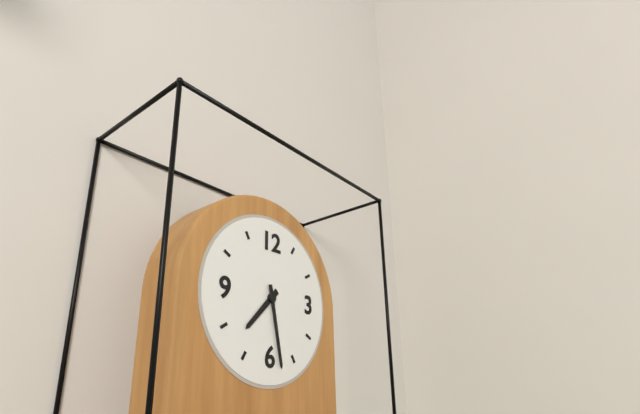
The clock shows h=7 m=28
